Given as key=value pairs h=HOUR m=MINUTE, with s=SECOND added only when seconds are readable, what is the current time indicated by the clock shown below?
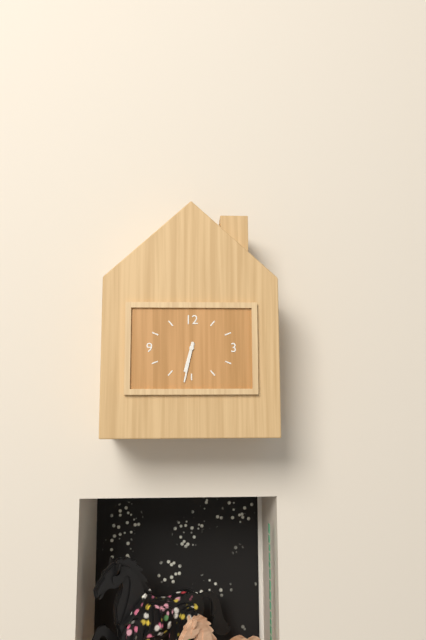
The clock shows h=6 m=32
